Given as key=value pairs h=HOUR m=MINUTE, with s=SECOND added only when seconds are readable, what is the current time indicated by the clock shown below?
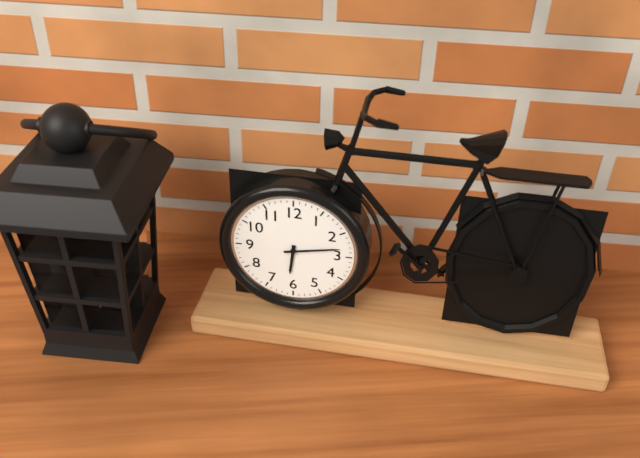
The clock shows h=6 m=13
